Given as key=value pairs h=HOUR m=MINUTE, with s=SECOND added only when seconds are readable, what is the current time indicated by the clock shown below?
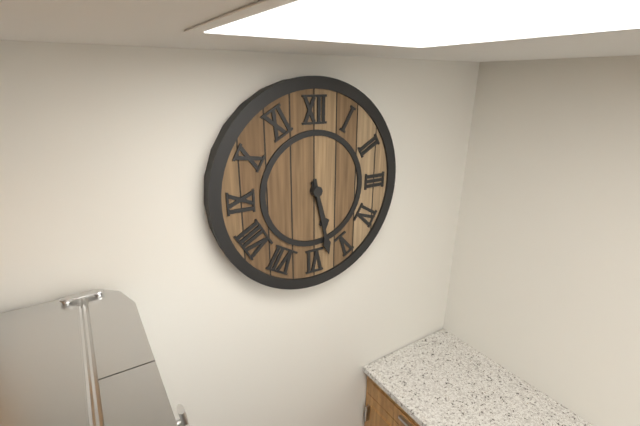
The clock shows h=5 m=28
